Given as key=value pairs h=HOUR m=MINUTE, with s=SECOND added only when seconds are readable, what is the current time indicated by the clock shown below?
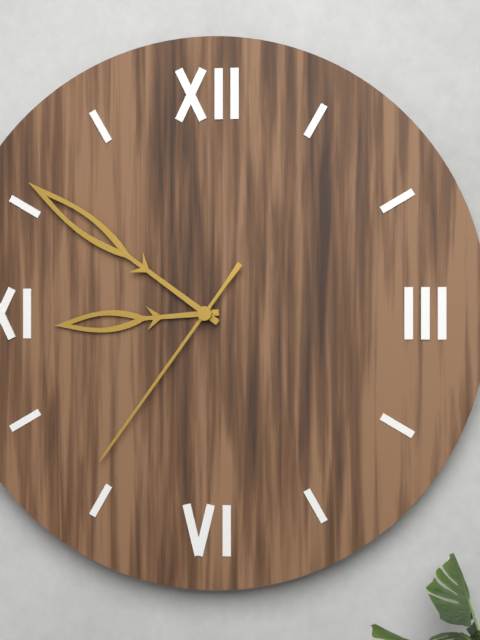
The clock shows h=8 m=51 s=36
